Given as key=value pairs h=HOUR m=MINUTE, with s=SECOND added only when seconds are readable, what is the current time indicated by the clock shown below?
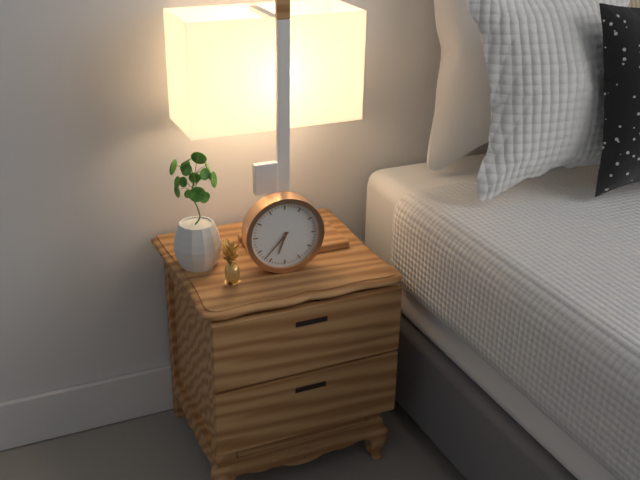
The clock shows h=6 m=37
